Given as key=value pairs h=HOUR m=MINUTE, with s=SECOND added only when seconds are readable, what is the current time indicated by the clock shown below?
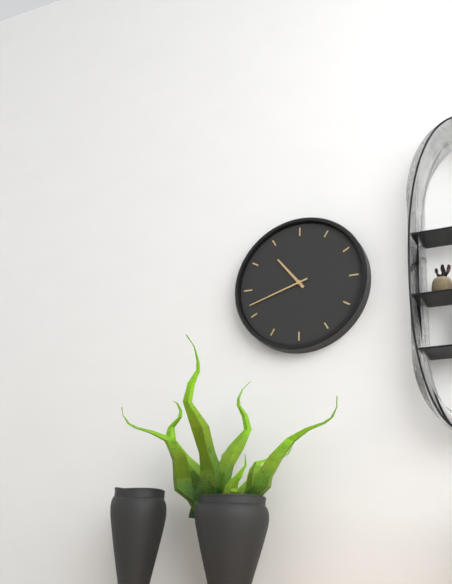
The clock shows h=10 m=42
